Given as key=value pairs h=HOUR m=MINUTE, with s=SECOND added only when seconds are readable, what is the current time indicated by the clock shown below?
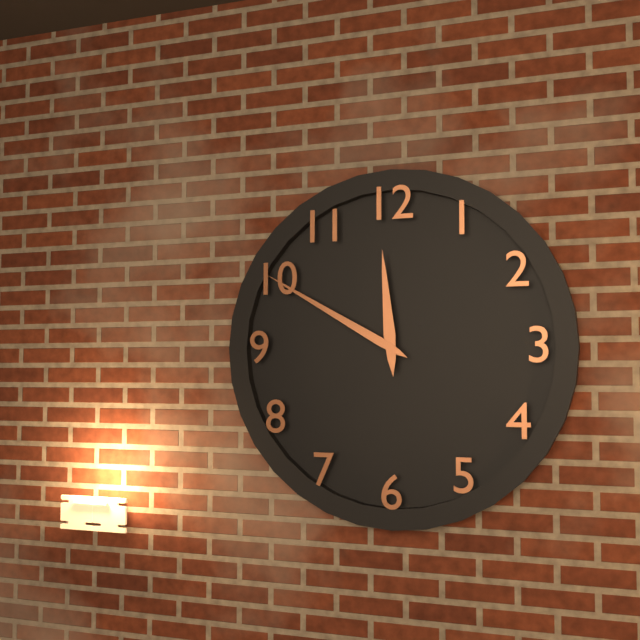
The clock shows h=11 m=50
